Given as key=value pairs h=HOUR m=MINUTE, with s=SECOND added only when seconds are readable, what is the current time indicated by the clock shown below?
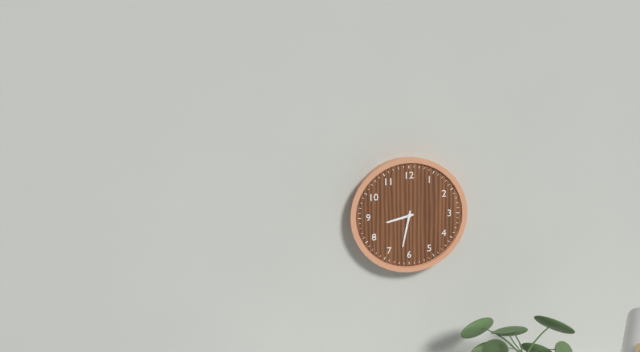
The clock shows h=8 m=32
